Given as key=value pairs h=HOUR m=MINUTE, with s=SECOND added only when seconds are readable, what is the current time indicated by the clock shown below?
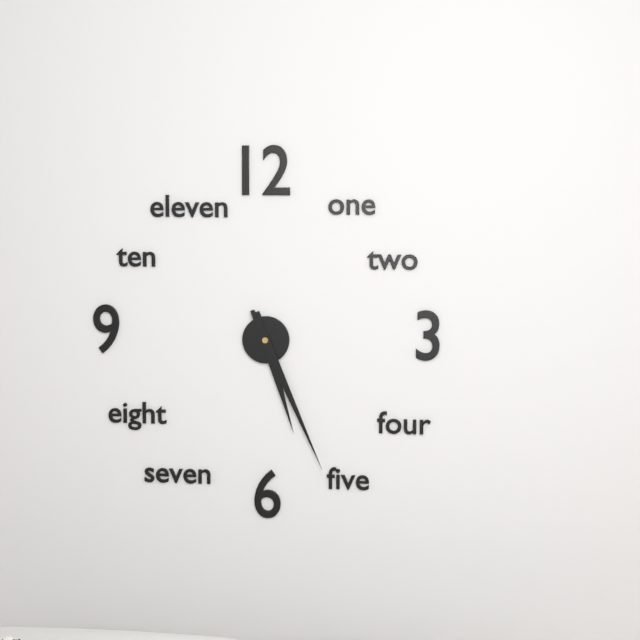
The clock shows h=5 m=26
